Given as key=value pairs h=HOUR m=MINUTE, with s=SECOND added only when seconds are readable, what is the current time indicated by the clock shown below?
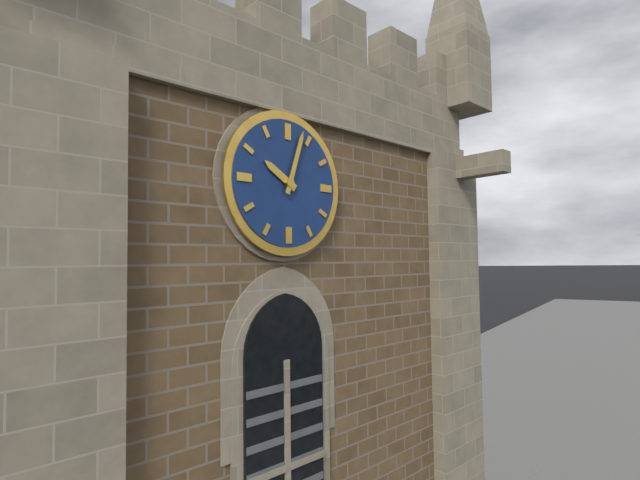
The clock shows h=10 m=3
